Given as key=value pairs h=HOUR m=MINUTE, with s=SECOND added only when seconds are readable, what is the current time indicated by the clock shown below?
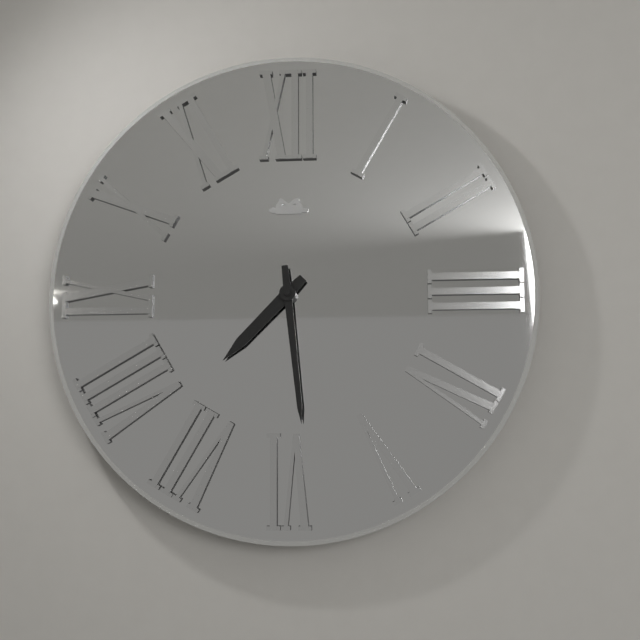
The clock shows h=7 m=29
